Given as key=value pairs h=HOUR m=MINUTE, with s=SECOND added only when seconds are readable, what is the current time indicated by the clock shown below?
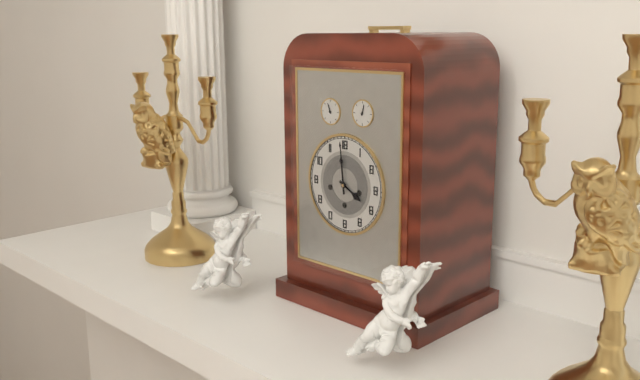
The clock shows h=3 m=59
